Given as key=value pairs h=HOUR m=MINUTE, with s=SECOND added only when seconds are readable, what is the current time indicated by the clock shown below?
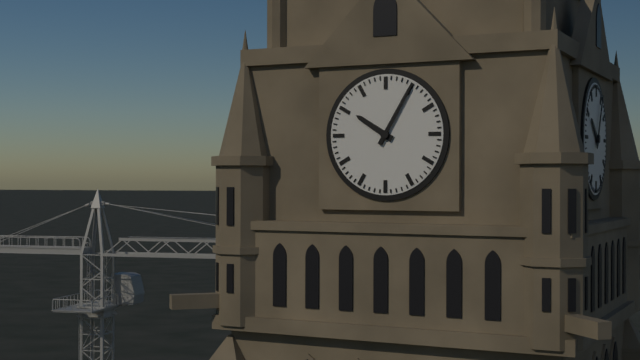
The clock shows h=10 m=5
